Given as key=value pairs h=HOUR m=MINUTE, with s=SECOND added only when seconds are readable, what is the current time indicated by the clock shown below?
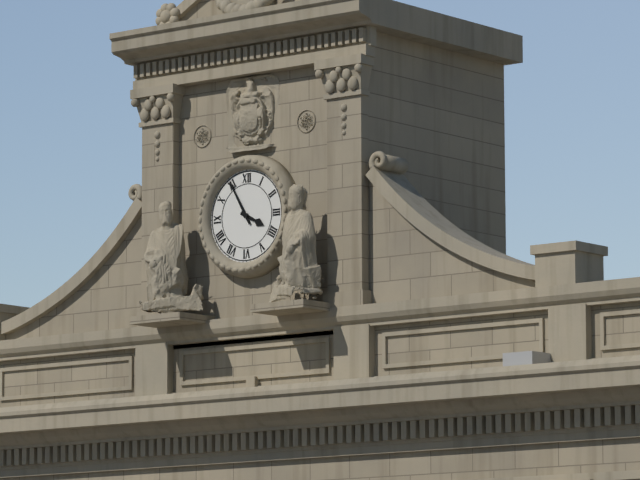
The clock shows h=3 m=55
